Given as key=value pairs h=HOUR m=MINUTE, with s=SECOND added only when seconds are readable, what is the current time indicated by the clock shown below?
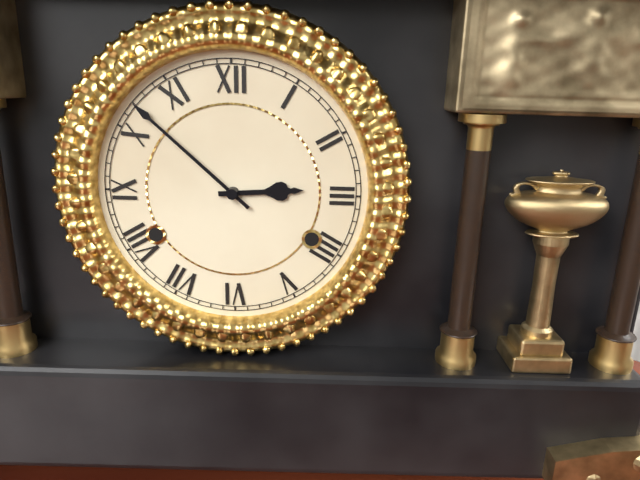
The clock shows h=2 m=52
